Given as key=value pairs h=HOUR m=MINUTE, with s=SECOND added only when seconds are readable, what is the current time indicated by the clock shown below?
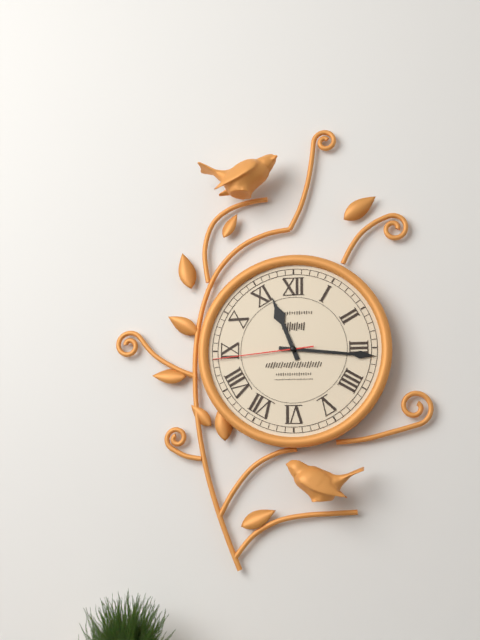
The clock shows h=11 m=16 s=44
